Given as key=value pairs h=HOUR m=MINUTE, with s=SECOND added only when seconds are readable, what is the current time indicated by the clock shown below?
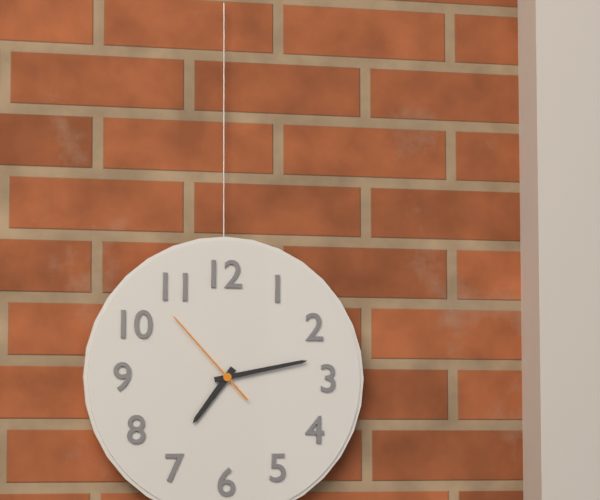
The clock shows h=7 m=13 s=53
